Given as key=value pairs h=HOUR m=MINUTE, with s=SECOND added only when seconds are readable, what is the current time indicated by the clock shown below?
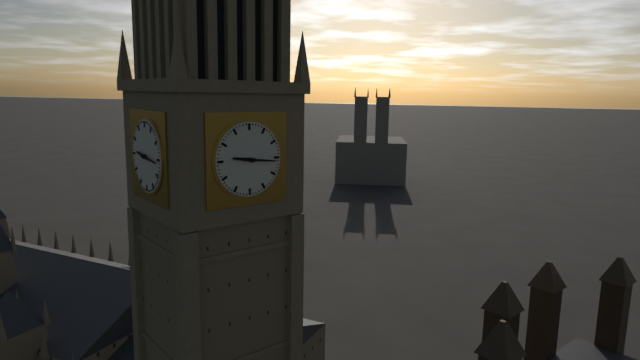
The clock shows h=9 m=16
